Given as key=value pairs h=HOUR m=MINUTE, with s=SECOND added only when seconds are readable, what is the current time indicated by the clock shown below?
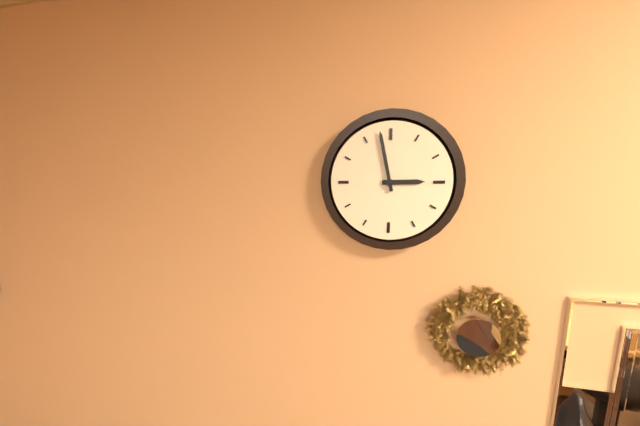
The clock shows h=2 m=58
